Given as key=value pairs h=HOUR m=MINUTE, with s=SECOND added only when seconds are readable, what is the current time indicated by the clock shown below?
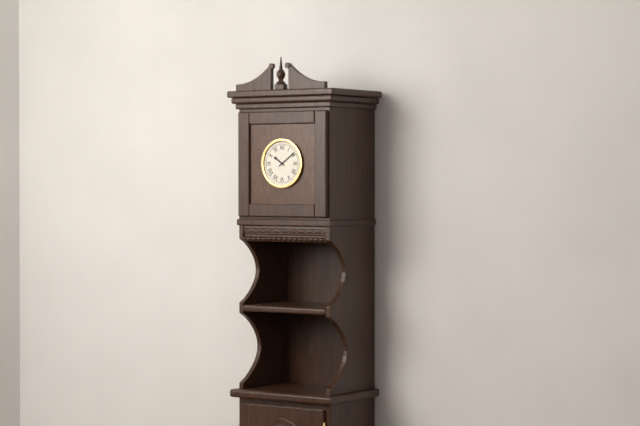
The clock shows h=10 m=9
